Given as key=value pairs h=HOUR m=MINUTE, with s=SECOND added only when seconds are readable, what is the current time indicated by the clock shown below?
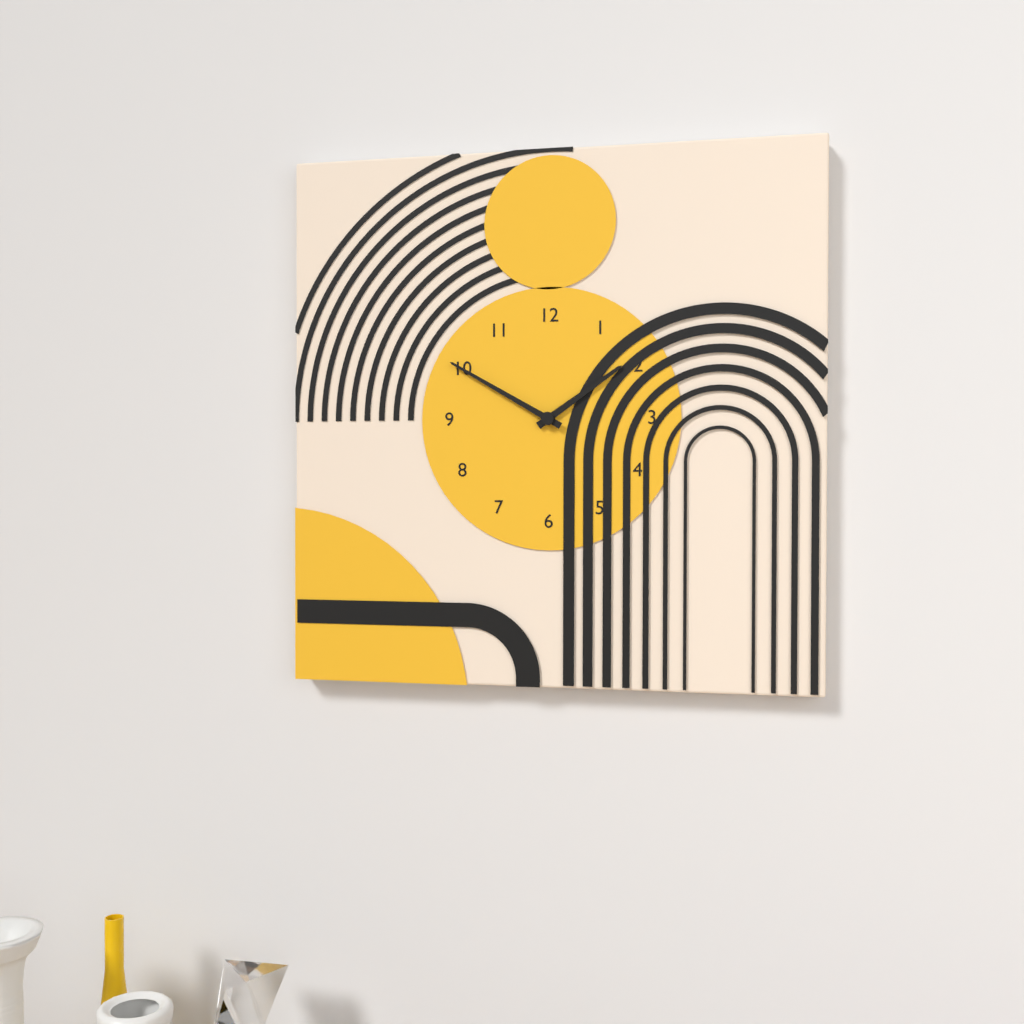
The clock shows h=1 m=50
